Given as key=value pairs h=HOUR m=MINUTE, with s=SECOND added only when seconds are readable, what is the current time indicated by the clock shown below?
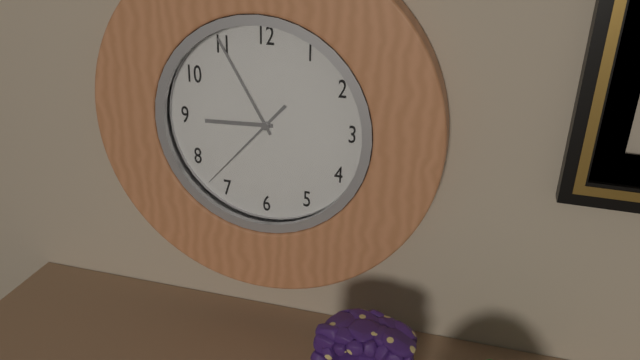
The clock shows h=8 m=55 s=37
